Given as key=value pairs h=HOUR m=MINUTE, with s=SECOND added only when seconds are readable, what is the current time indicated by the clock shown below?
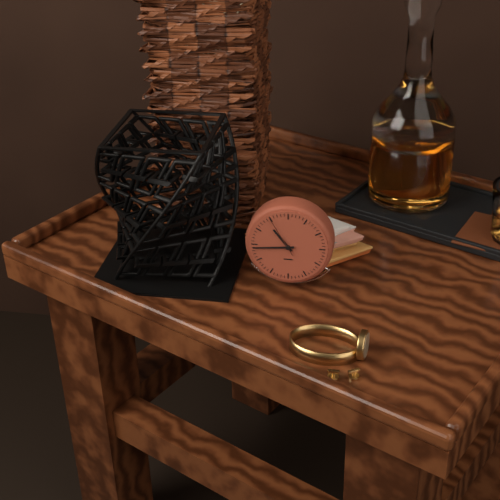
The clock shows h=10 m=44
